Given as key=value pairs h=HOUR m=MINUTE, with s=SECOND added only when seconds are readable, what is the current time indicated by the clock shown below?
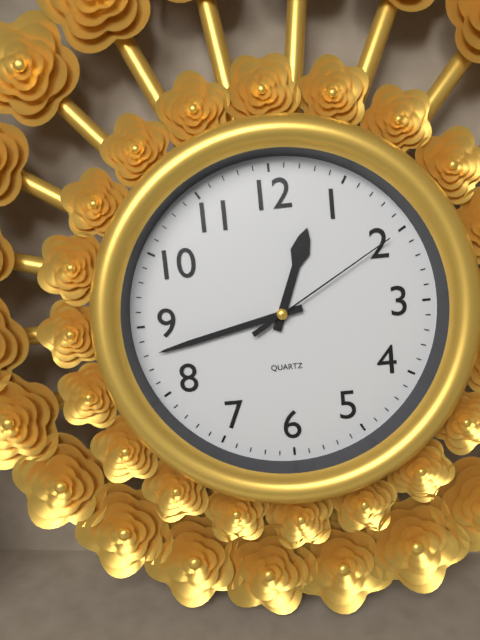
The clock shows h=12 m=43 s=10
